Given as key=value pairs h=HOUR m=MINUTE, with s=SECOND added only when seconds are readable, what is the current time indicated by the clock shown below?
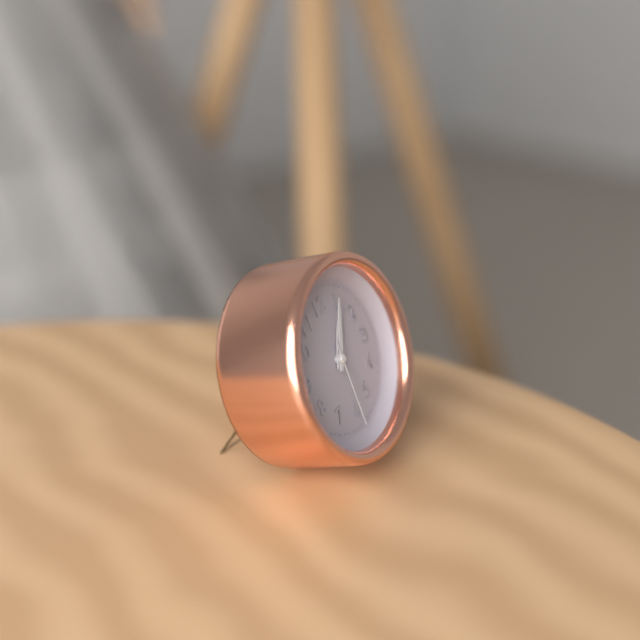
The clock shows h=1 m=5 s=30
